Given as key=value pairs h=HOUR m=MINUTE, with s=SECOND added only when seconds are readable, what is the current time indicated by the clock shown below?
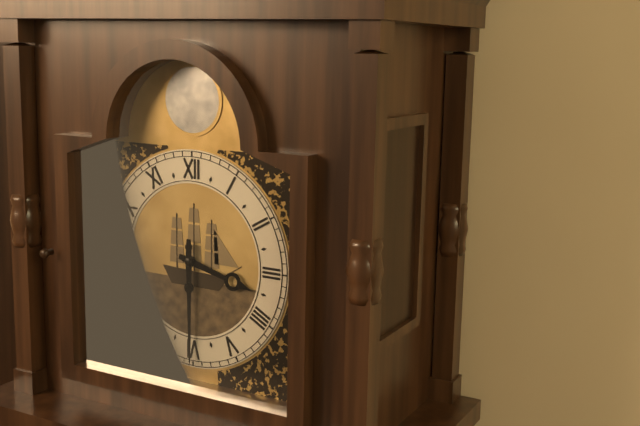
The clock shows h=3 m=30
